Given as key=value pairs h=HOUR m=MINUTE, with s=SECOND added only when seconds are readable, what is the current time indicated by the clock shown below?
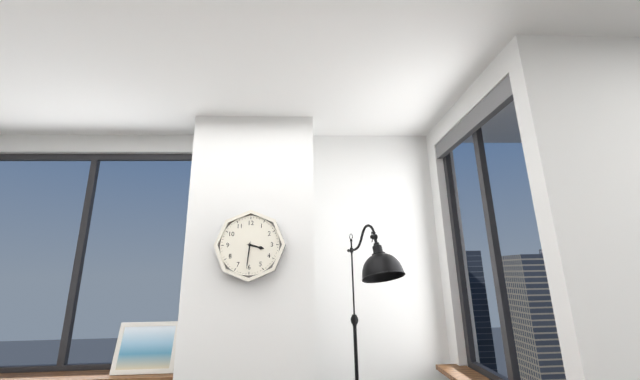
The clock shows h=3 m=31
